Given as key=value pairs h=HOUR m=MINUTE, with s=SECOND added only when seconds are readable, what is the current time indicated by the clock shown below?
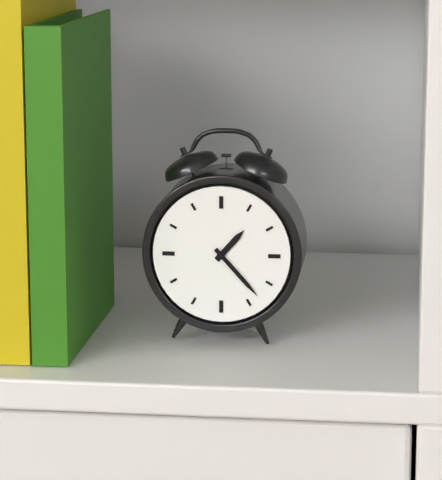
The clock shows h=1 m=23
